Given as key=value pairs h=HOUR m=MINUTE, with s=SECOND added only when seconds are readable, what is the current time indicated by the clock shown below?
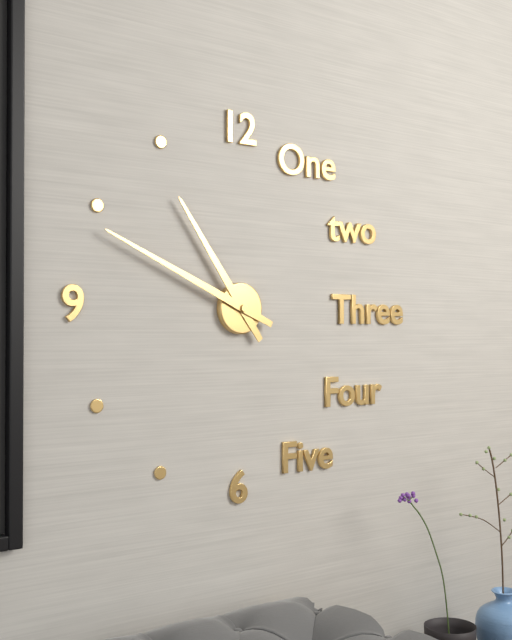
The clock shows h=10 m=49
